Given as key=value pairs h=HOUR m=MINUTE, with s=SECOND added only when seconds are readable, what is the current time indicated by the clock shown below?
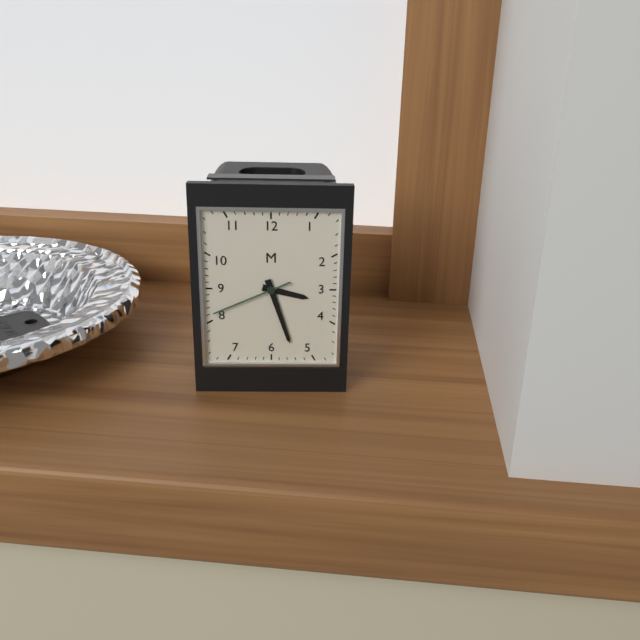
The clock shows h=3 m=27 s=41
